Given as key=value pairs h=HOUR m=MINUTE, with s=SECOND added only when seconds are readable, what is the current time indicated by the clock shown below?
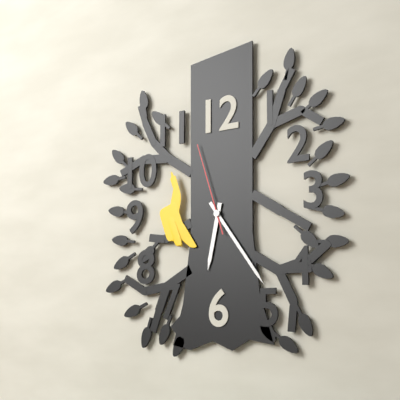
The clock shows h=6 m=24 s=57
